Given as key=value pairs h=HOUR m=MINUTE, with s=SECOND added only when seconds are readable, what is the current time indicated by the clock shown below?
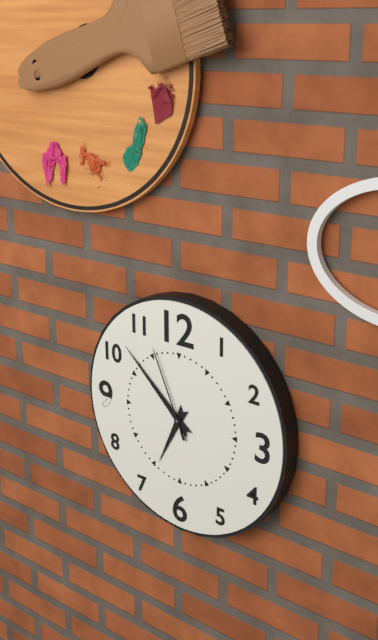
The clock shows h=6 m=52 s=56
